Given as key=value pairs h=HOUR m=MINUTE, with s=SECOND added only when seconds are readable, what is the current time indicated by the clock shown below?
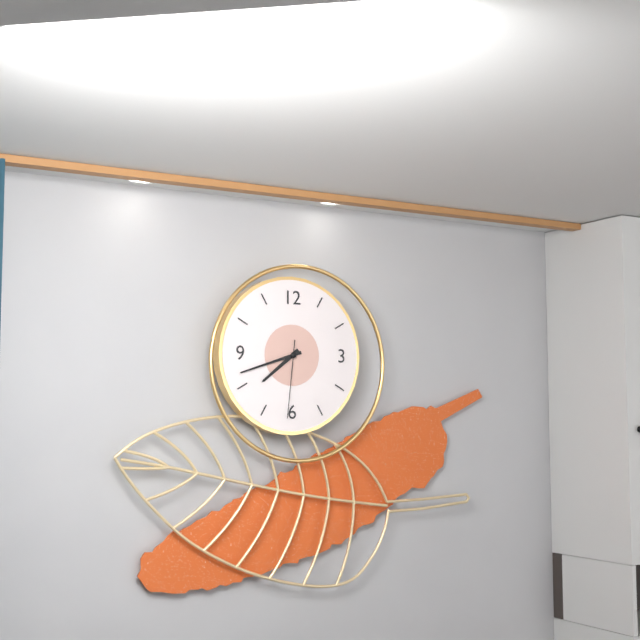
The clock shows h=7 m=42 s=31
